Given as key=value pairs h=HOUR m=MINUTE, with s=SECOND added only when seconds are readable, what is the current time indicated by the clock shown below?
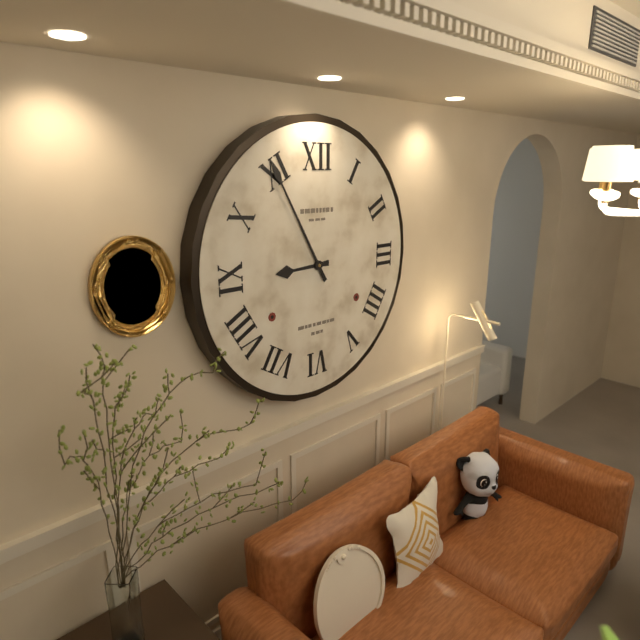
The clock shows h=8 m=55
